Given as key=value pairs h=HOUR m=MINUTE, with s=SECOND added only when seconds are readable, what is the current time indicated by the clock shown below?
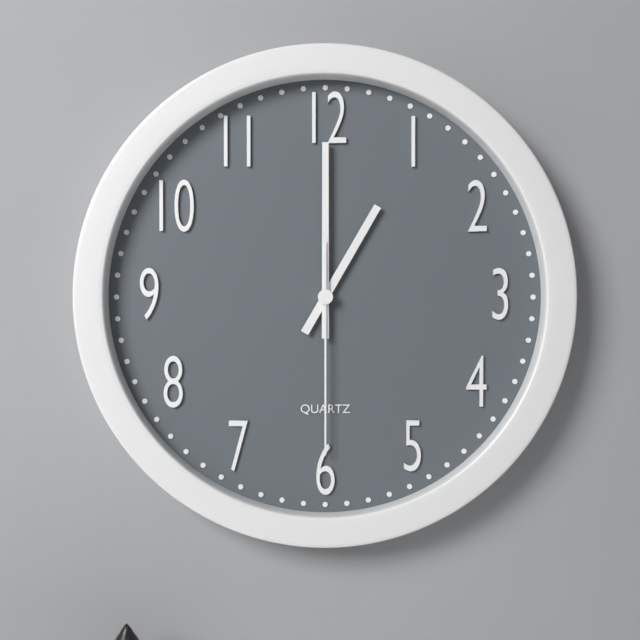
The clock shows h=1 m=0 s=30
